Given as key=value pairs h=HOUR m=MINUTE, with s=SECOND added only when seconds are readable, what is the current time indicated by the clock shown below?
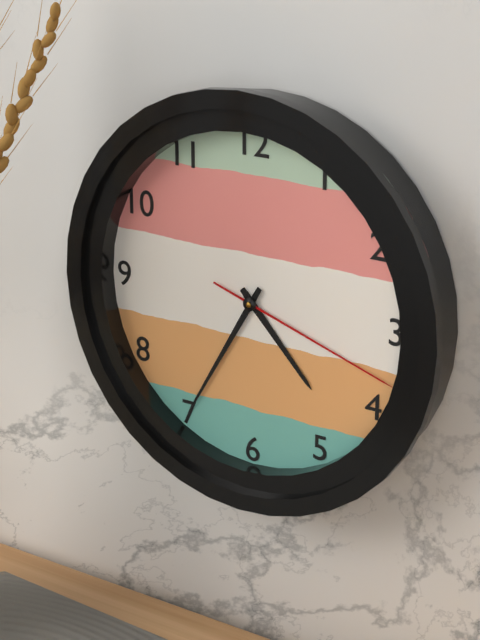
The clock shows h=4 m=35 s=18
